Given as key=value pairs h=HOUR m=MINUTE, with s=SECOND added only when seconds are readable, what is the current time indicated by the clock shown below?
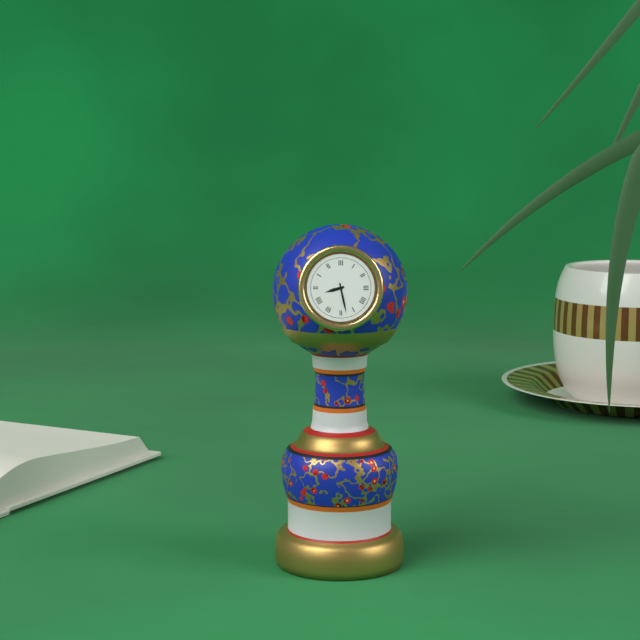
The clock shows h=8 m=28
